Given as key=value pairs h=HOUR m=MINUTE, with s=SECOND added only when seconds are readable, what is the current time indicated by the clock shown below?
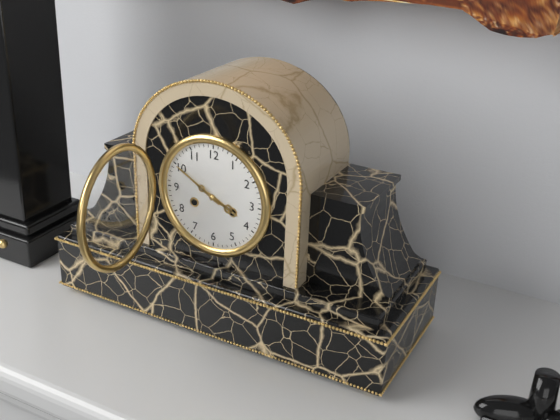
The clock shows h=3 m=50
